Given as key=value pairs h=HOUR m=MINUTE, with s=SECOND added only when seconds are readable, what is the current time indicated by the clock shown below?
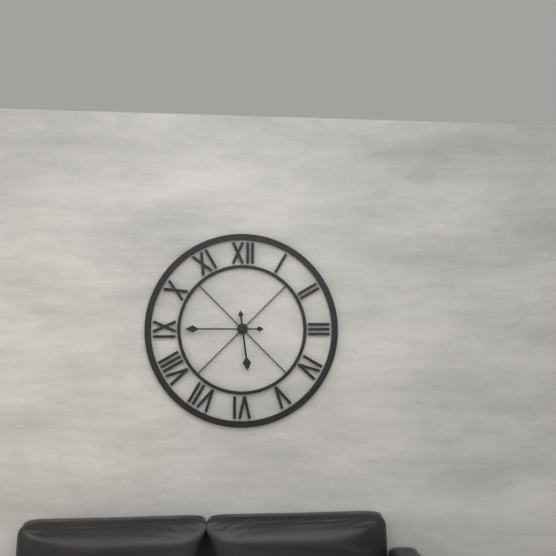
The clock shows h=5 m=45
